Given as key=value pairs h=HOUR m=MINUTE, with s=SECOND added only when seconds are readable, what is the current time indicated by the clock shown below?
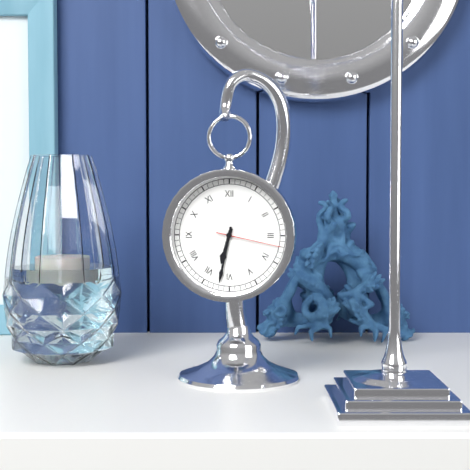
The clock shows h=6 m=32 s=17
